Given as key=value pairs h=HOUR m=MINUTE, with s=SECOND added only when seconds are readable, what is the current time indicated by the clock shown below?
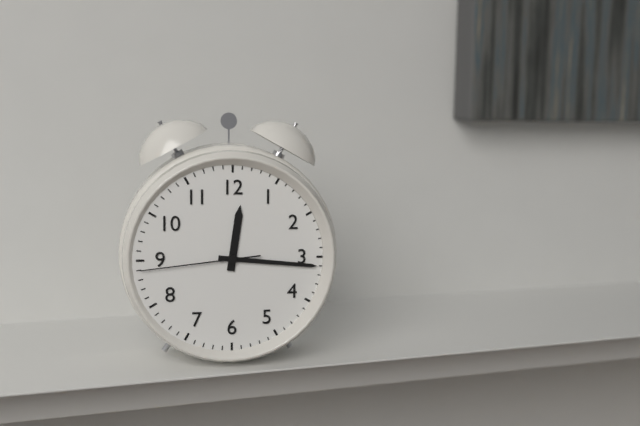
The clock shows h=12 m=16 s=44
